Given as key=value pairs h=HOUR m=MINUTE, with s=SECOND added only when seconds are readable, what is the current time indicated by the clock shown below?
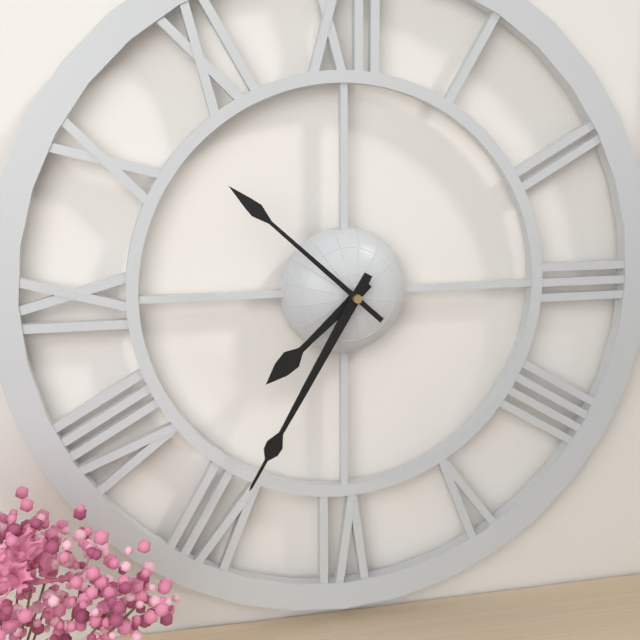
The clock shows h=7 m=35 s=52
